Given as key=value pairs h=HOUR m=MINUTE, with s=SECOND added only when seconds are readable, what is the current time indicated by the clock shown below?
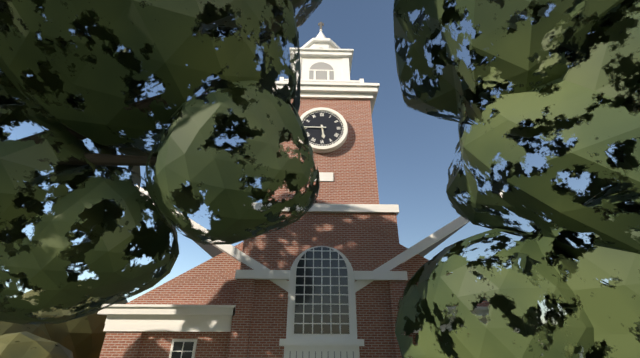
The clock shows h=5 m=45
